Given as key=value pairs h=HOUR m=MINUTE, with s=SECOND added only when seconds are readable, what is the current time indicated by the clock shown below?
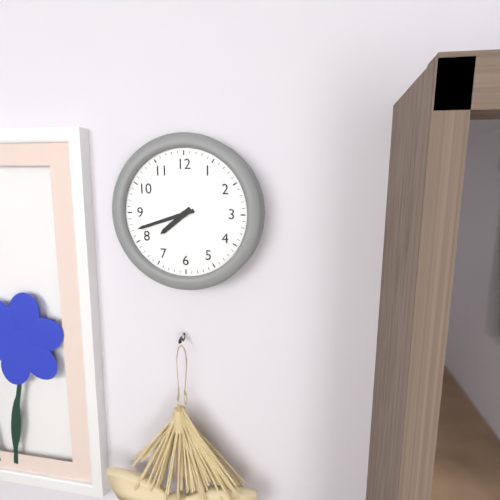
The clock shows h=7 m=42
